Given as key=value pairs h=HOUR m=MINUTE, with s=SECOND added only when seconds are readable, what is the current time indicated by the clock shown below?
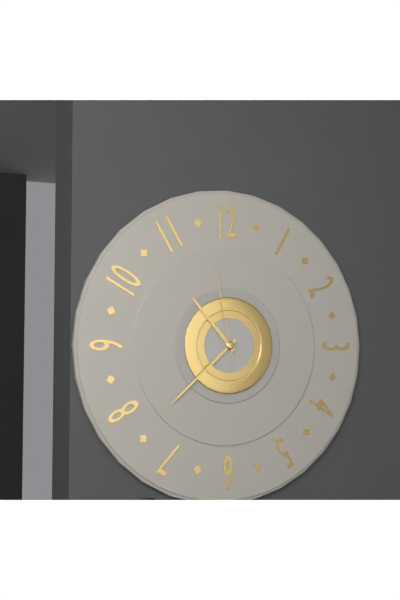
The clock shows h=10 m=38 s=58
